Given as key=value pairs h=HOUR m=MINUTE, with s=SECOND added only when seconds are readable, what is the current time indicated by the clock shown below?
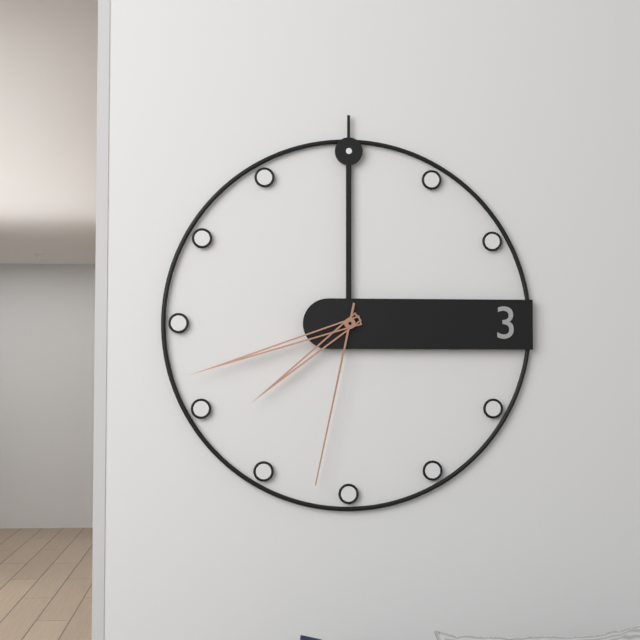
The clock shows h=7 m=42 s=32
